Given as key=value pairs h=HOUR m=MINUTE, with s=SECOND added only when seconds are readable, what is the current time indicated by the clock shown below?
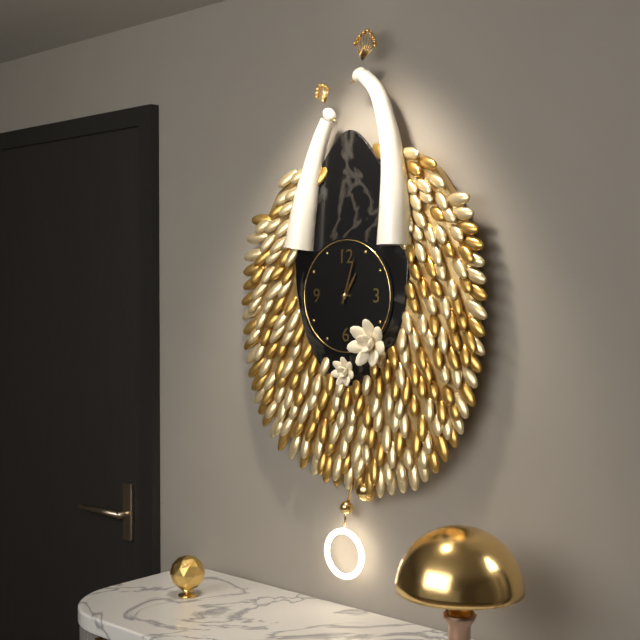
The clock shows h=1 m=3
